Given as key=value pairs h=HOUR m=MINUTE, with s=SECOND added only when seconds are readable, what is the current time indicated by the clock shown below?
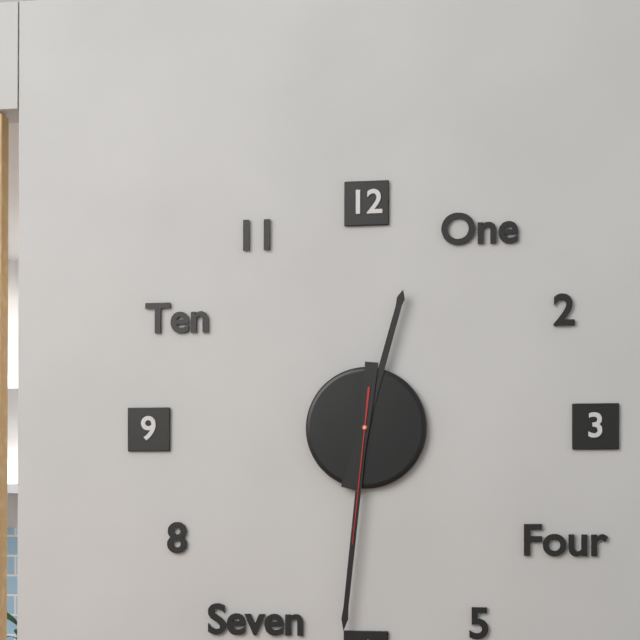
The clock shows h=12 m=31 s=31
